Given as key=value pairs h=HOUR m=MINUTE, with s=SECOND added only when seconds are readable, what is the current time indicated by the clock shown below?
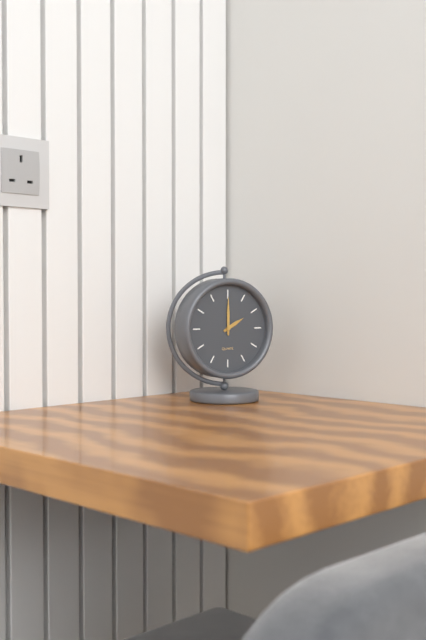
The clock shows h=2 m=0
